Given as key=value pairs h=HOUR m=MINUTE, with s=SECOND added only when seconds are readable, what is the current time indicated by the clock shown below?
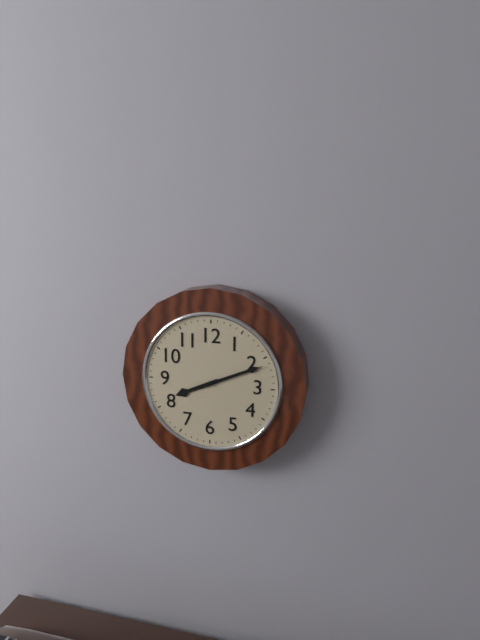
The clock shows h=8 m=11 s=11
